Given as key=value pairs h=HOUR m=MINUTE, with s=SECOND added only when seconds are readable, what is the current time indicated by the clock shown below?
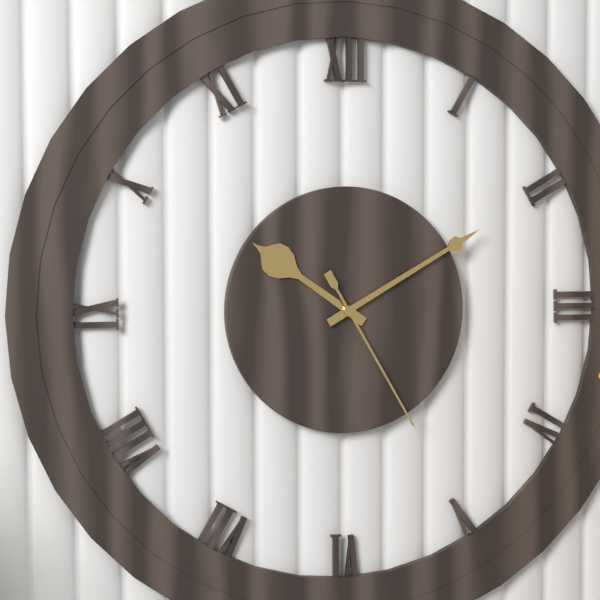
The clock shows h=10 m=10 s=25
